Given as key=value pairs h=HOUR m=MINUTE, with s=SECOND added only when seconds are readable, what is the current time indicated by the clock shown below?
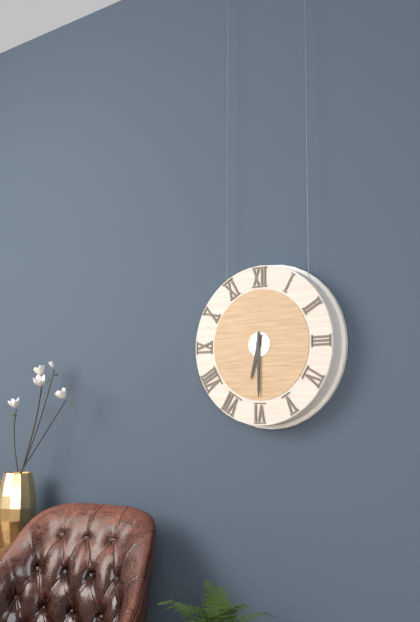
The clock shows h=6 m=30
